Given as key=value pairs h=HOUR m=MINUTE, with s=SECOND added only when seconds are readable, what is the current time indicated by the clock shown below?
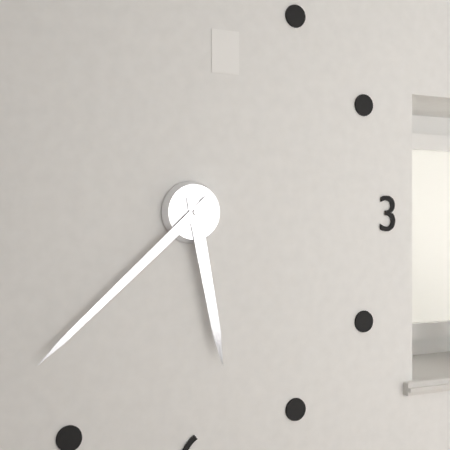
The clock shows h=5 m=38
